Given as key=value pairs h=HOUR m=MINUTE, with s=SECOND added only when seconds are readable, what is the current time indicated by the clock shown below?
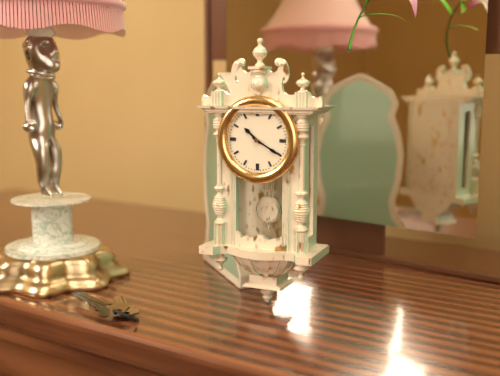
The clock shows h=10 m=20
